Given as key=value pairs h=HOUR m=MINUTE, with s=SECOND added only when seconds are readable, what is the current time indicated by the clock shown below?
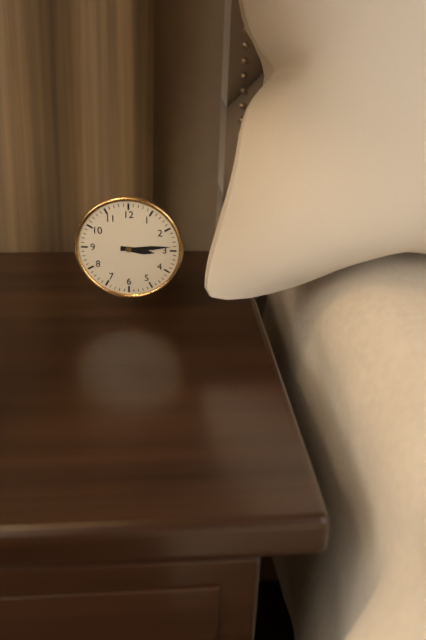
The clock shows h=3 m=14
